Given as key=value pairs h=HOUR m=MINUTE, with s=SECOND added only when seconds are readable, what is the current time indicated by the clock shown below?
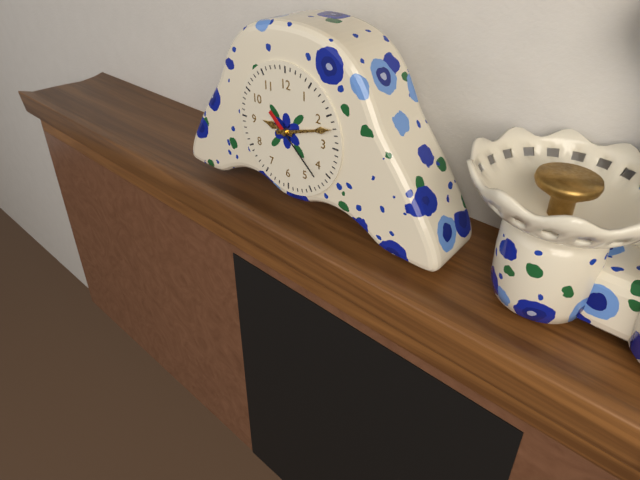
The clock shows h=9 m=12 s=22
